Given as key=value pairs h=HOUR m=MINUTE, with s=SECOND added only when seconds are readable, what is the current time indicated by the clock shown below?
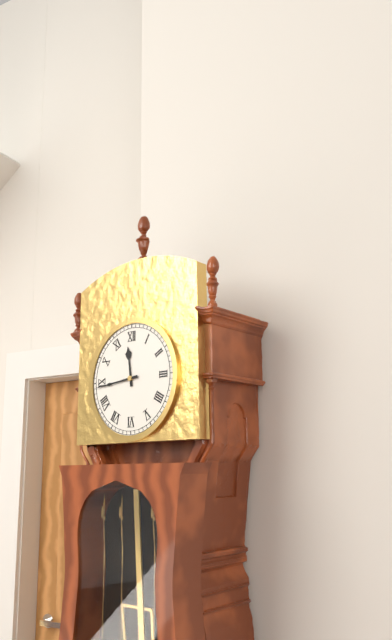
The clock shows h=11 m=44
